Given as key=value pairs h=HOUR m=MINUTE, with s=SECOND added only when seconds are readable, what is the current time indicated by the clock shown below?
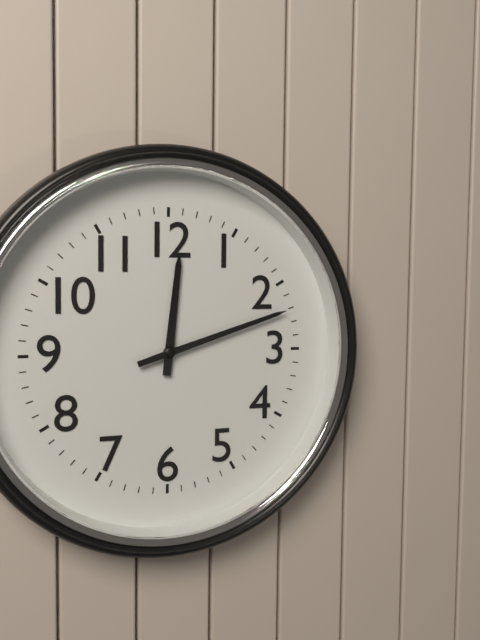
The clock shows h=12 m=12
